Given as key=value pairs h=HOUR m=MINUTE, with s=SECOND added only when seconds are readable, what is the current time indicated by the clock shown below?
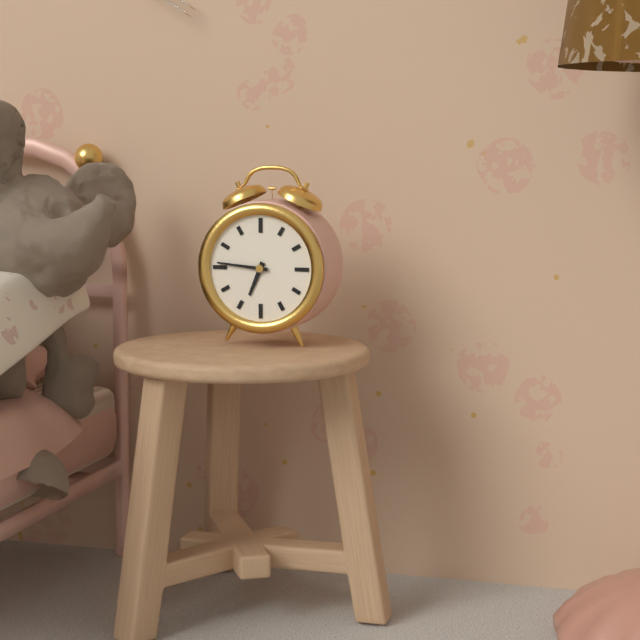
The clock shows h=6 m=46
